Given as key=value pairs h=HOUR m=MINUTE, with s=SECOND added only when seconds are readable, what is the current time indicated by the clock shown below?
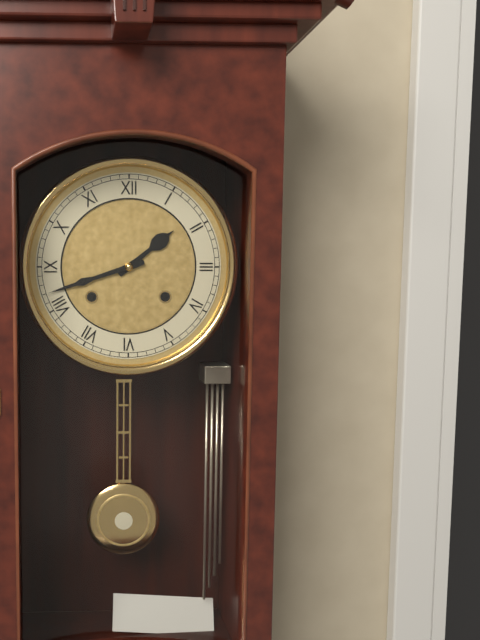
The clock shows h=1 m=42
